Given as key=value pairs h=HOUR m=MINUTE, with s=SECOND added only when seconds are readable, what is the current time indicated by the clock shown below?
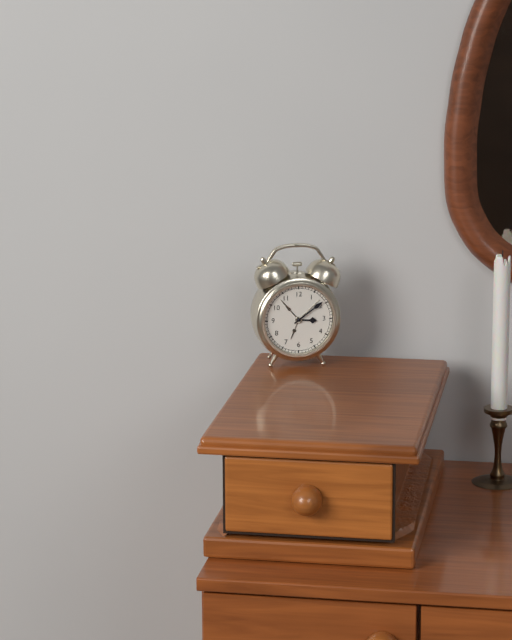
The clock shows h=3 m=9
